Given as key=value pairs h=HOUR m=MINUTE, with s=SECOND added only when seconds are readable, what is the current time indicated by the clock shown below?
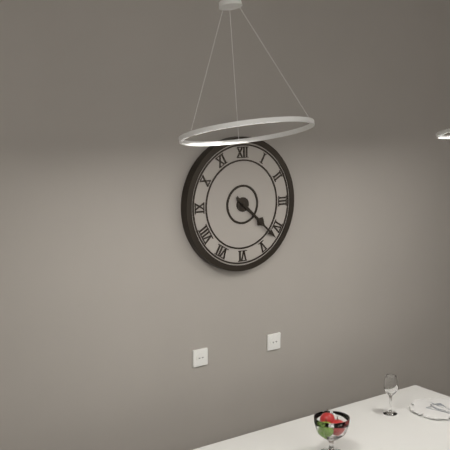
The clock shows h=4 m=22
